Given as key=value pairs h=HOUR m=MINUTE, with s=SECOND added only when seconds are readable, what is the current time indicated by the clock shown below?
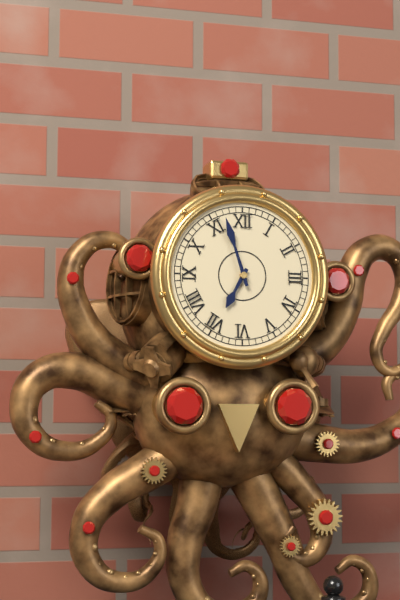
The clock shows h=6 m=57
